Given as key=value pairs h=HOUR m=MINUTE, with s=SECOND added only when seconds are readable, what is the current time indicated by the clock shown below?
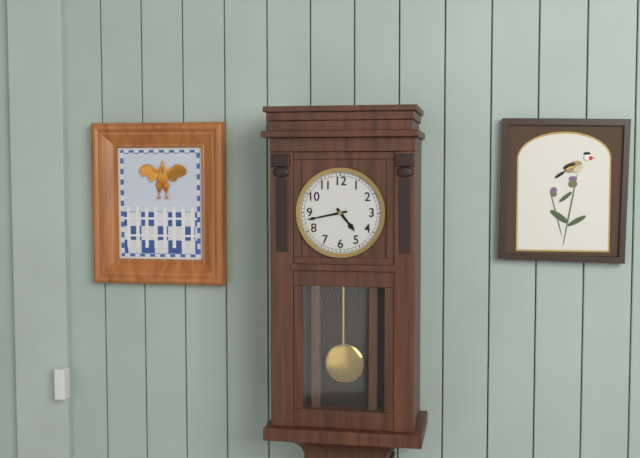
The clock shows h=4 m=43
